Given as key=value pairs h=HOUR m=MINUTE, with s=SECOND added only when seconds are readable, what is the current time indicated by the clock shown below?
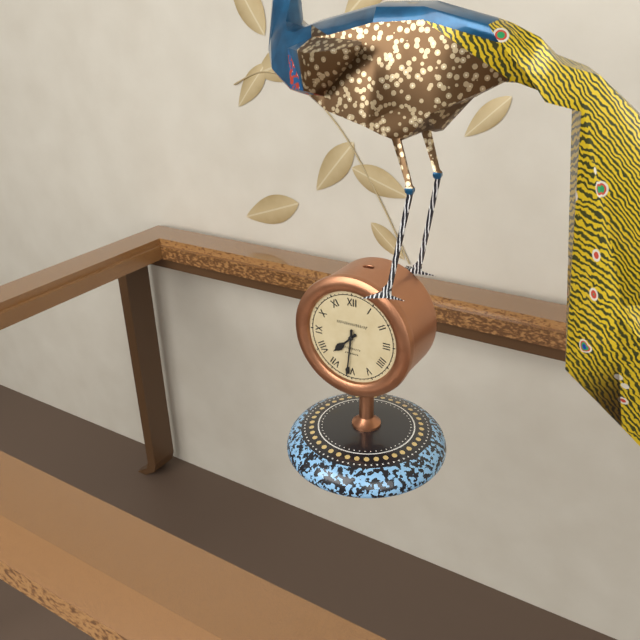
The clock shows h=7 m=31
